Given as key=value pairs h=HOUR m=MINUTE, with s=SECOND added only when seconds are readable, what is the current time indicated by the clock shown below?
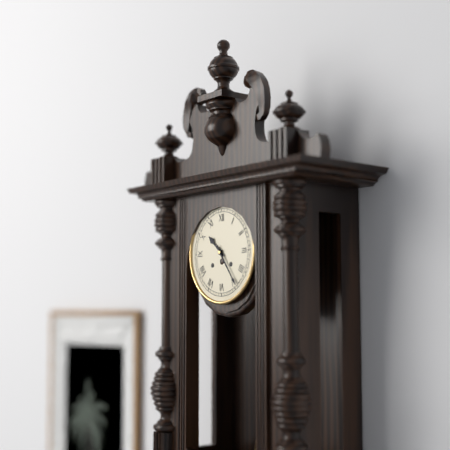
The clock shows h=10 m=24
